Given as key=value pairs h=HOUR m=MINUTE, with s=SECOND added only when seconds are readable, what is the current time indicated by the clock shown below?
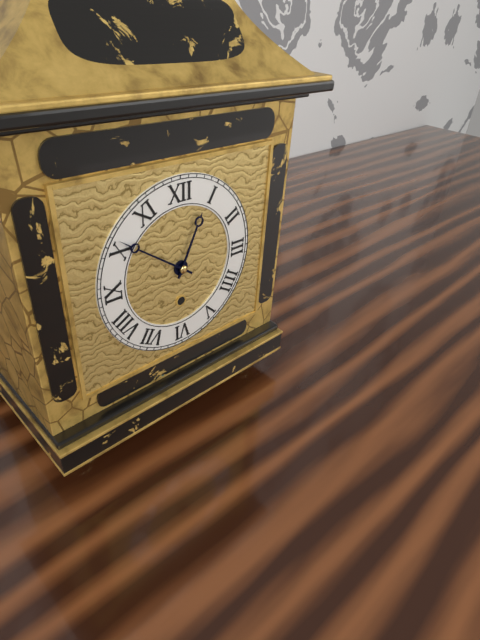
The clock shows h=12 m=51
